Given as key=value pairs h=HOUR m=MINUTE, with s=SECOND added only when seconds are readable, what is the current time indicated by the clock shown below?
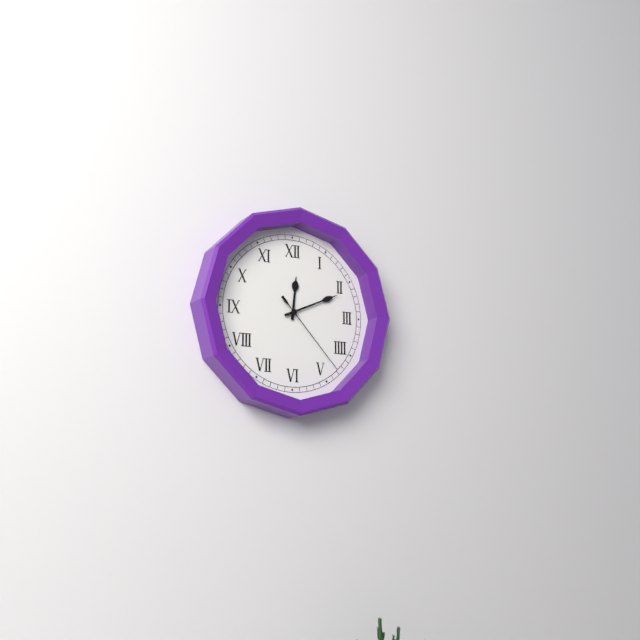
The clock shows h=12 m=11 s=23
